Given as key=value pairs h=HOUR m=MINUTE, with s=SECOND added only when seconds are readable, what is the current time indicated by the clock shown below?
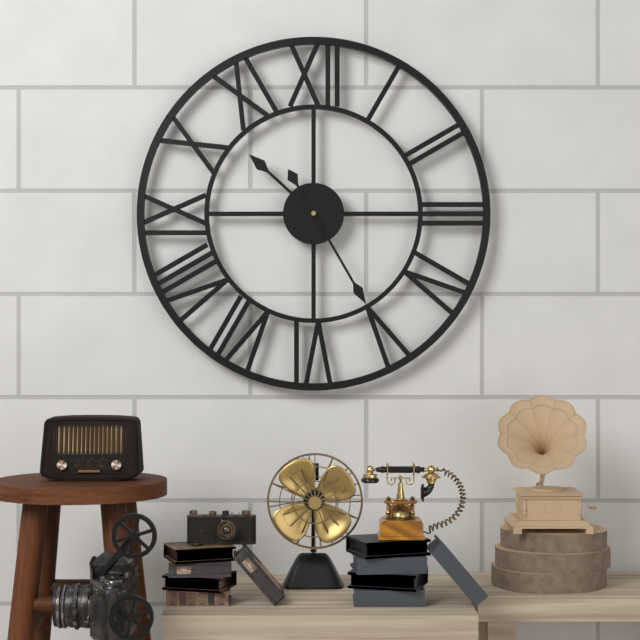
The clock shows h=10 m=25
